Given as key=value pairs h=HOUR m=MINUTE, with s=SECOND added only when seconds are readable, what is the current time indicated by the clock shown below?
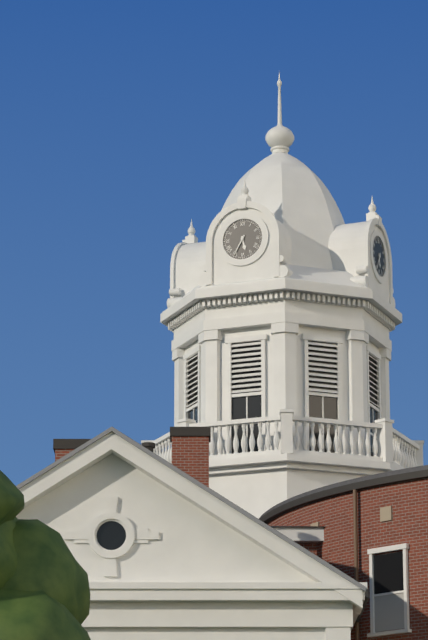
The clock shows h=5 m=35
